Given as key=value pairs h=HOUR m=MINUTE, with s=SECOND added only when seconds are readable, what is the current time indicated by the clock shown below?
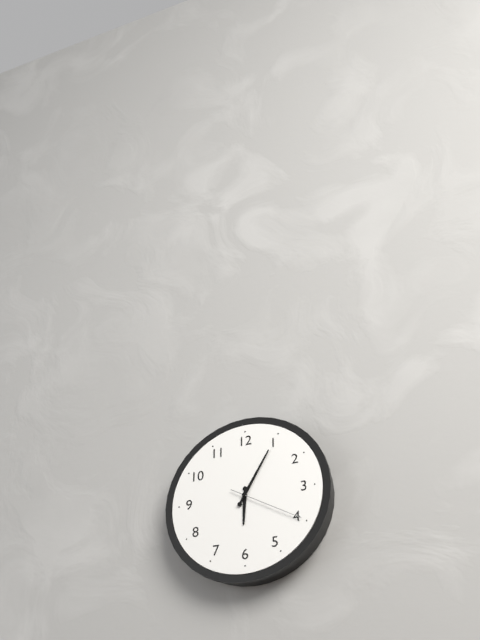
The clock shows h=6 m=5 s=20
